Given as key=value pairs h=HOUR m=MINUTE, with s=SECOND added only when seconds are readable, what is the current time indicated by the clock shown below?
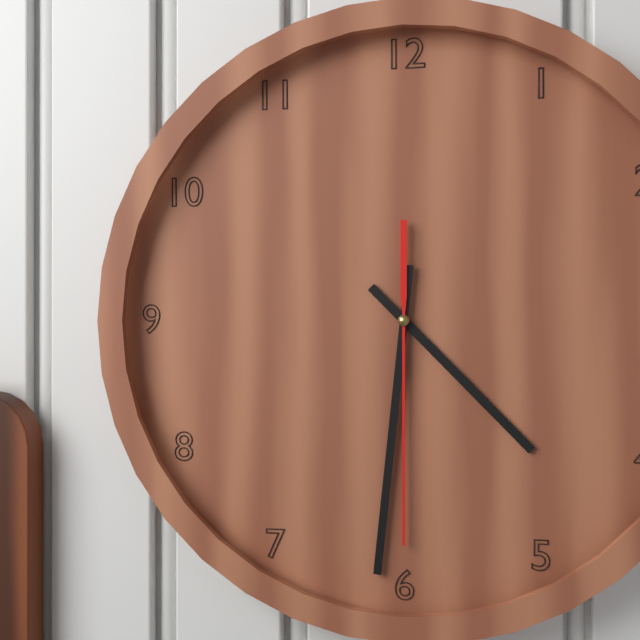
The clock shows h=4 m=31 s=30
